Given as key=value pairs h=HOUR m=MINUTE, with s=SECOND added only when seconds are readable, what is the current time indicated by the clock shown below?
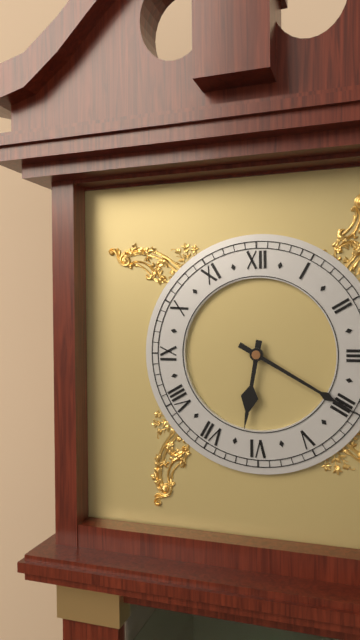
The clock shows h=6 m=20
